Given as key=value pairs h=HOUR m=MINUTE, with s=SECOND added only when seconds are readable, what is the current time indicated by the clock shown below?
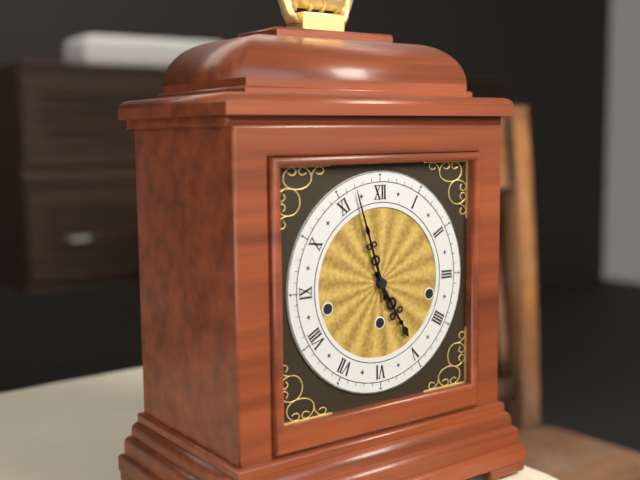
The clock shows h=4 m=57
